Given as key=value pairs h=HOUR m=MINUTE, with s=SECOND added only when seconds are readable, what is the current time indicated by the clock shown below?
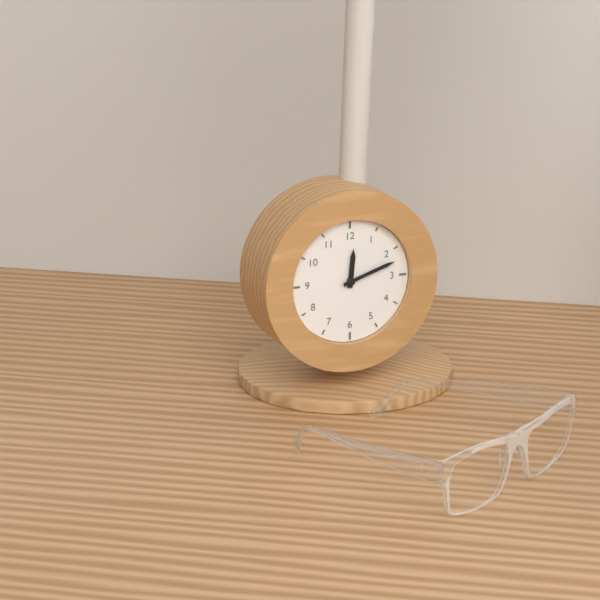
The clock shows h=12 m=12
